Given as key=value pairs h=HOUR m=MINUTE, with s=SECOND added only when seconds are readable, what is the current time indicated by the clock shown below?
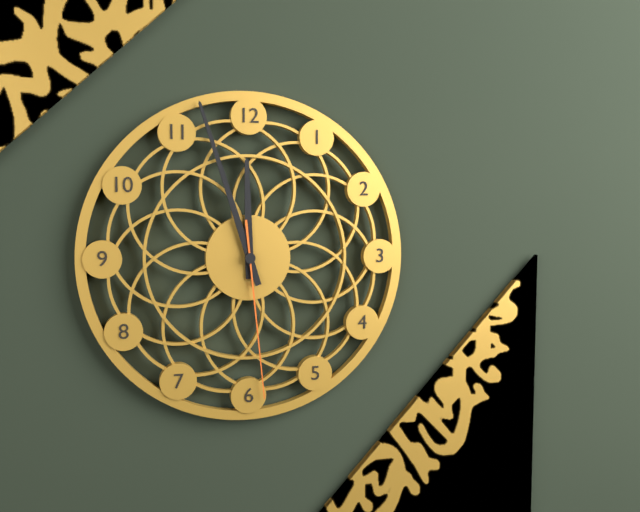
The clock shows h=11 m=57 s=29
